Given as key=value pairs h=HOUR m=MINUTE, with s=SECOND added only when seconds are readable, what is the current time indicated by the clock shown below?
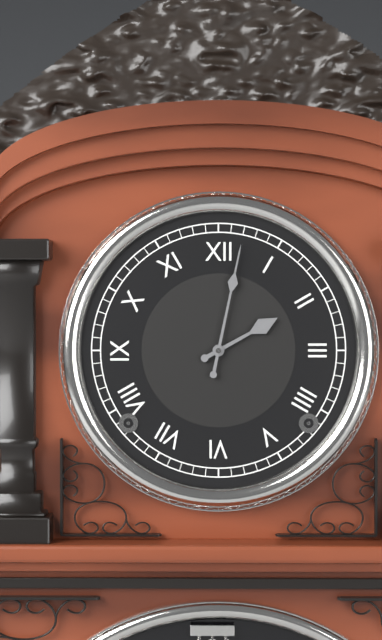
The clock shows h=2 m=2
